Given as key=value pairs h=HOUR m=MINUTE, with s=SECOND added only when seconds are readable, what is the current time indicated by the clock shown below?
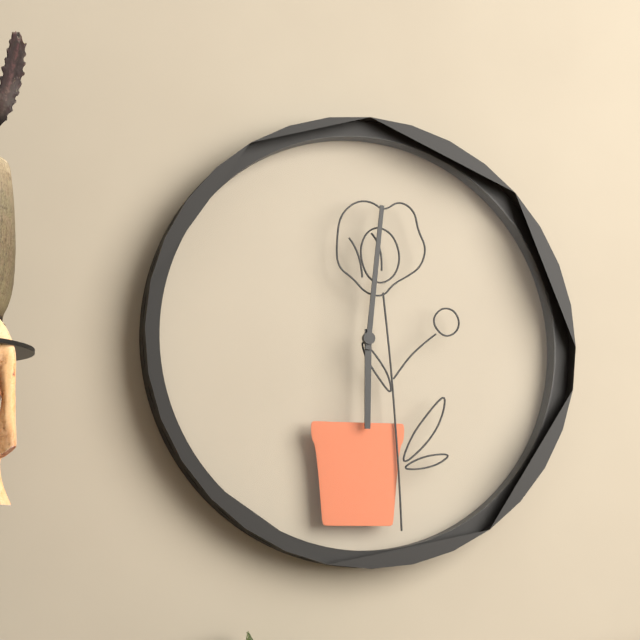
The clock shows h=6 m=1
